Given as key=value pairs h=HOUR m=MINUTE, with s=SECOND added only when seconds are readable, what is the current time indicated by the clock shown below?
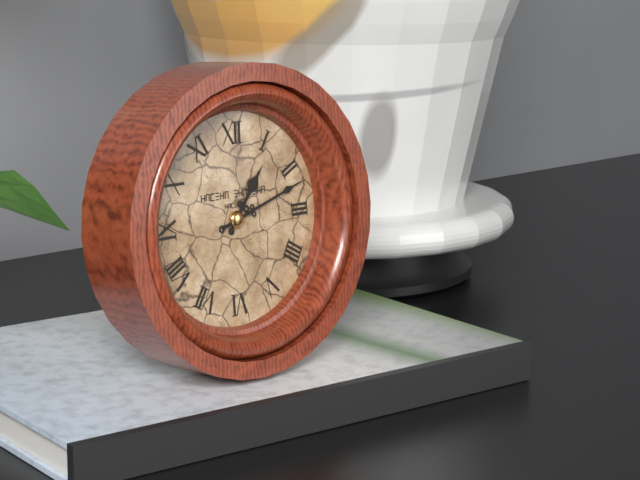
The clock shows h=1 m=12
